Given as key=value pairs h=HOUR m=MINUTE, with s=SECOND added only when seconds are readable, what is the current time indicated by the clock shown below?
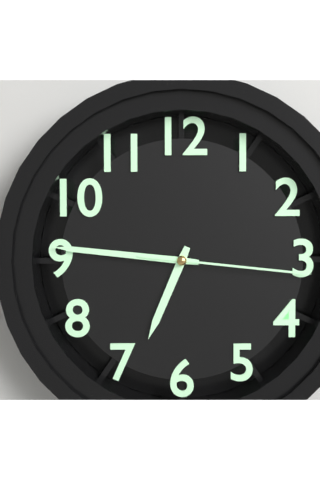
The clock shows h=6 m=46 s=16
